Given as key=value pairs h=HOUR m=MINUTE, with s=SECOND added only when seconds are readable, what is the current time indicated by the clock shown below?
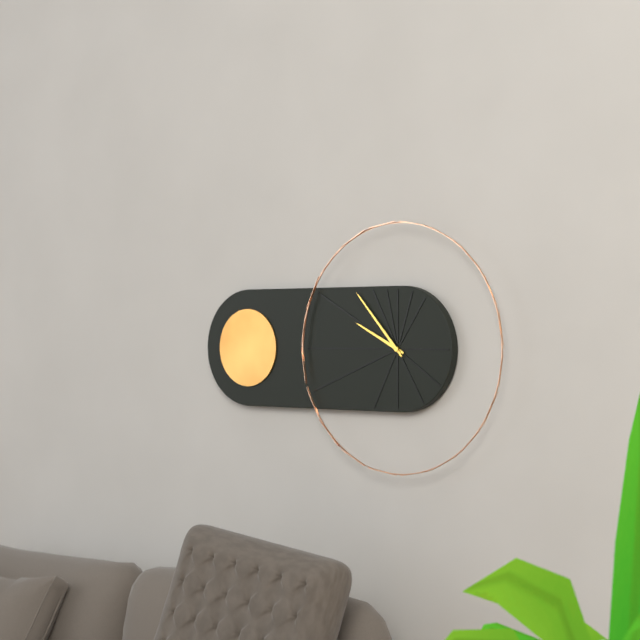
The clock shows h=9 m=53
